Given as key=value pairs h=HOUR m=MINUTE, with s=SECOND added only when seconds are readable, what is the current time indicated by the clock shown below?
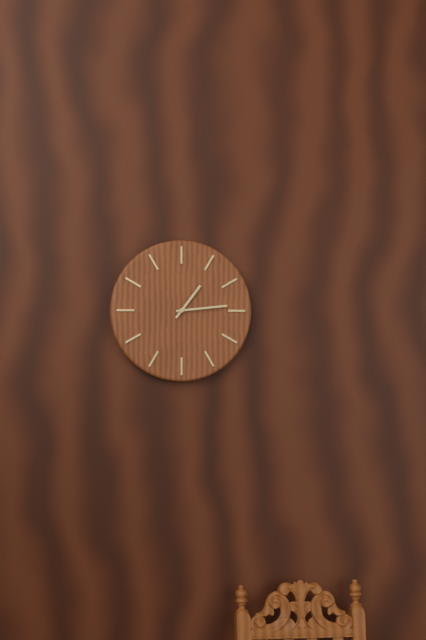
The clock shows h=1 m=14
